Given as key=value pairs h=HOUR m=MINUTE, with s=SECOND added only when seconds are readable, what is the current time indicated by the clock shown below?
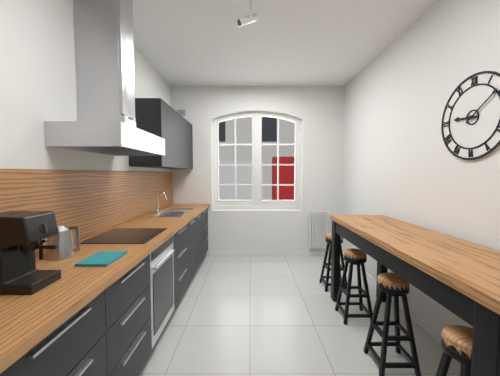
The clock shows h=9 m=9
